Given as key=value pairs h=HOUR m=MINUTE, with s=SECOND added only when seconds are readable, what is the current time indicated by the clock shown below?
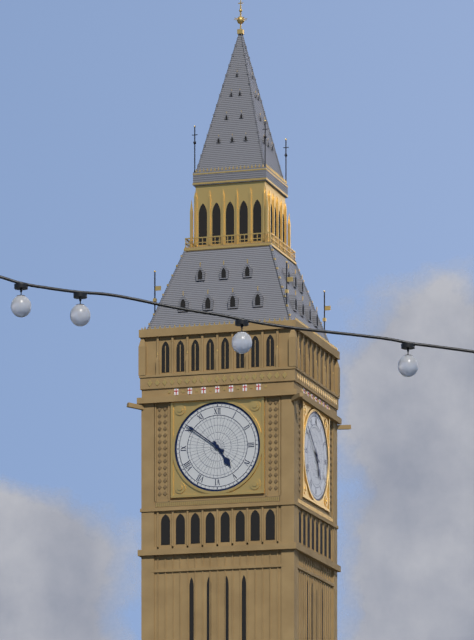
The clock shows h=4 m=51
